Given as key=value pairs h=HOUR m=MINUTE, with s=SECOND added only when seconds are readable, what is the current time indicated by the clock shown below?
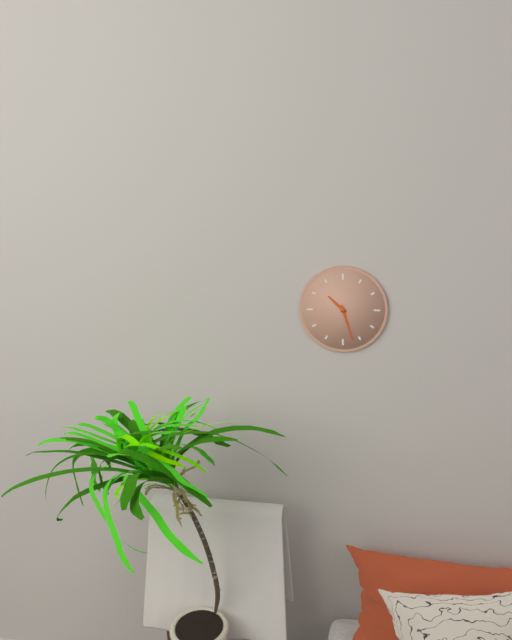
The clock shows h=10 m=27
